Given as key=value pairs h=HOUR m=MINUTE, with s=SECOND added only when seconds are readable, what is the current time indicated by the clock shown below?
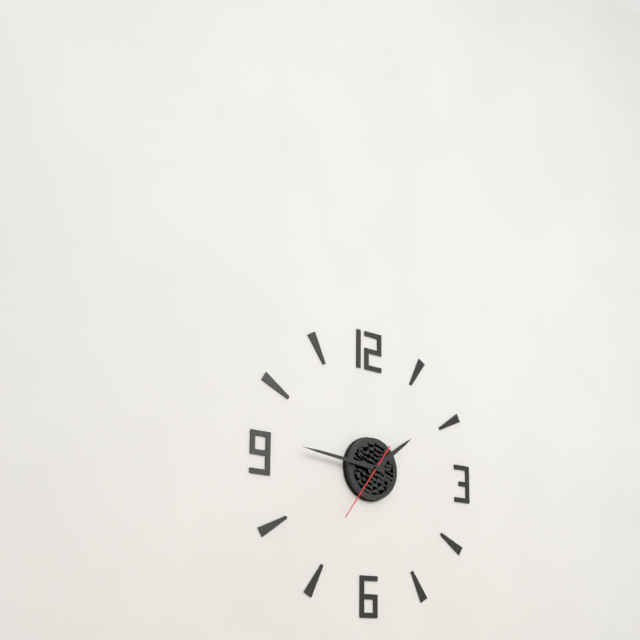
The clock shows h=1 m=46 s=36
